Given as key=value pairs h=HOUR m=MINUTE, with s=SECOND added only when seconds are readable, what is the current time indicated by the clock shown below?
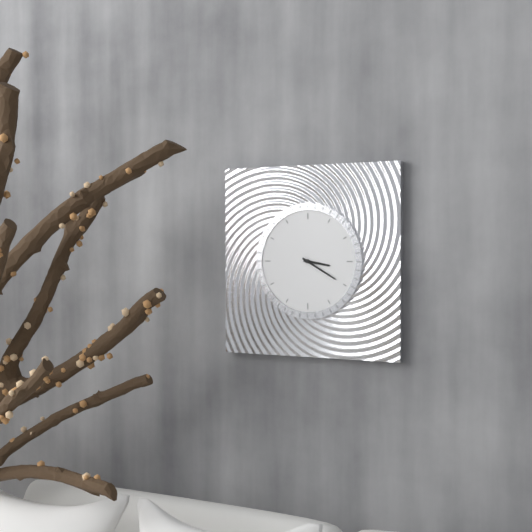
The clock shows h=3 m=20
